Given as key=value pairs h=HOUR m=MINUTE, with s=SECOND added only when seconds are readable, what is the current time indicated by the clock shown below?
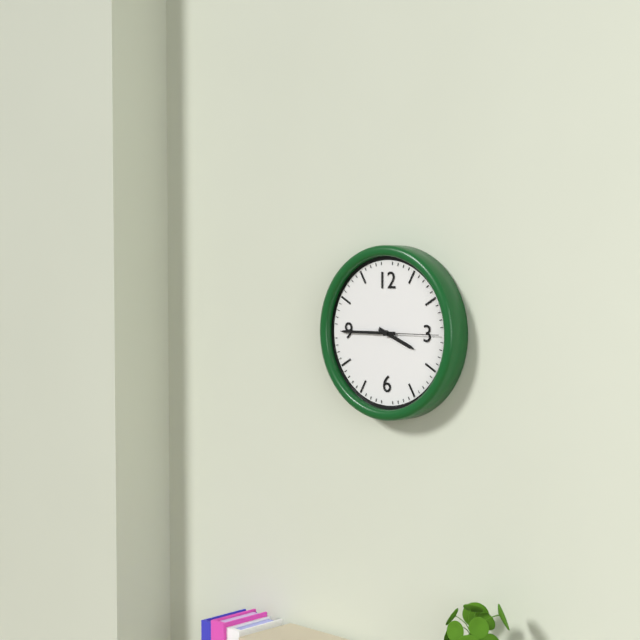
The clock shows h=3 m=45
